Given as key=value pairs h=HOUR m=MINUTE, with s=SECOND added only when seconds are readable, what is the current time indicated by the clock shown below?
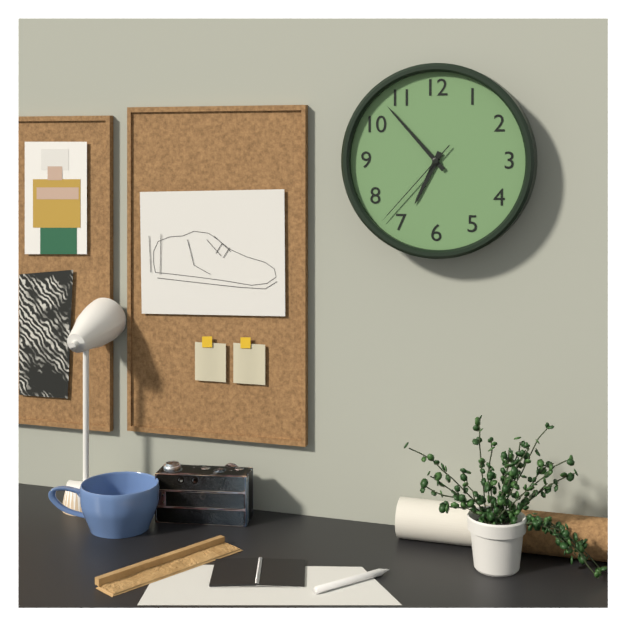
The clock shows h=6 m=53 s=37
